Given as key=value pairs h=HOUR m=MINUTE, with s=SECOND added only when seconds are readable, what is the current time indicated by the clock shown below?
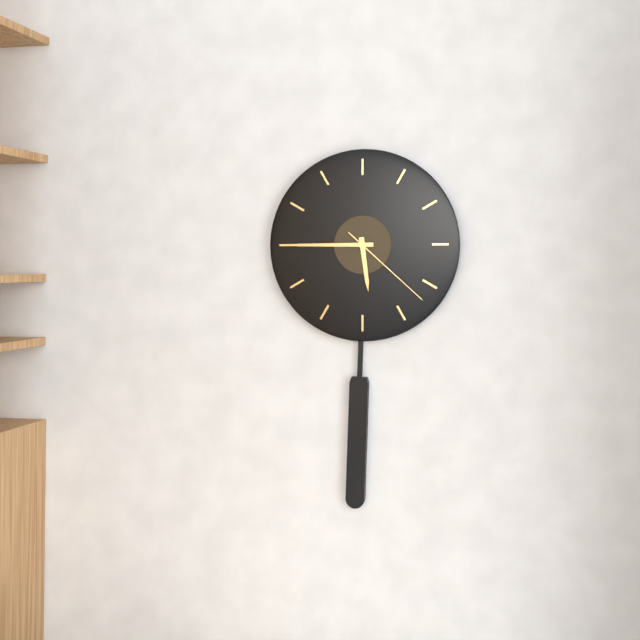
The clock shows h=5 m=45 s=22
